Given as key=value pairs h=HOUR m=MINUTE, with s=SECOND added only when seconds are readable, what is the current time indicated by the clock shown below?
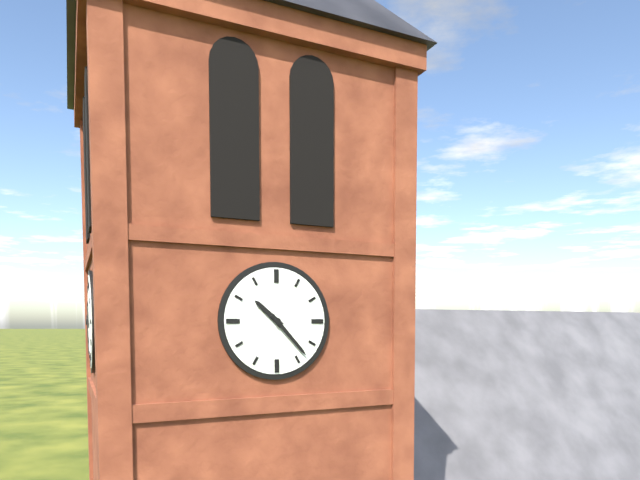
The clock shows h=10 m=23
